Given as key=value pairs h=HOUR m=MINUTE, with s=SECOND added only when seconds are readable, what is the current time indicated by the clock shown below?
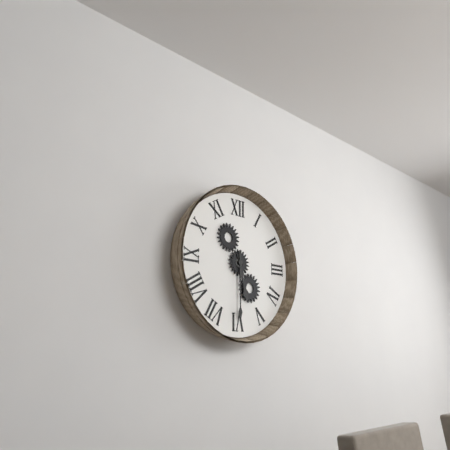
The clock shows h=5 m=30
